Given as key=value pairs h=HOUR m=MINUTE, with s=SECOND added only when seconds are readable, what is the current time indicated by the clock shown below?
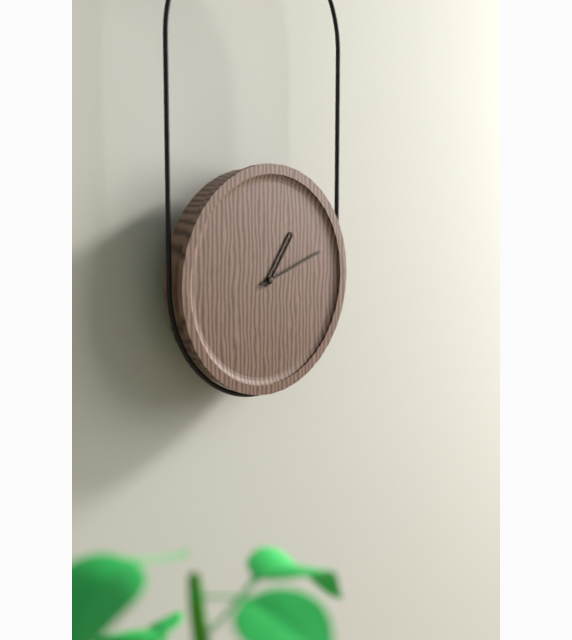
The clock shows h=1 m=12
